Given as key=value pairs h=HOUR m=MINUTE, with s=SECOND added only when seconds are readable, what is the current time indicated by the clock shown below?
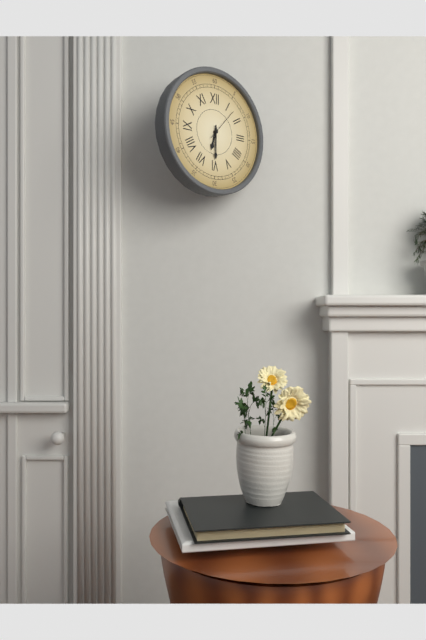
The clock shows h=6 m=30
